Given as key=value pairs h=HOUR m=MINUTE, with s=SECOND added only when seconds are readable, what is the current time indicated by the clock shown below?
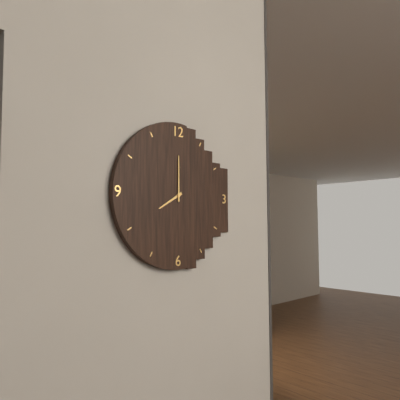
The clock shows h=8 m=0
